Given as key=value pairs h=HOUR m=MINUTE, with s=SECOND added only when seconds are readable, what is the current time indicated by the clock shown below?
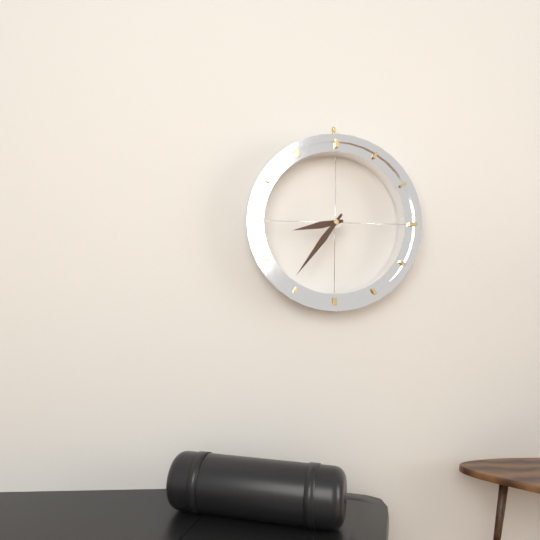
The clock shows h=8 m=36
